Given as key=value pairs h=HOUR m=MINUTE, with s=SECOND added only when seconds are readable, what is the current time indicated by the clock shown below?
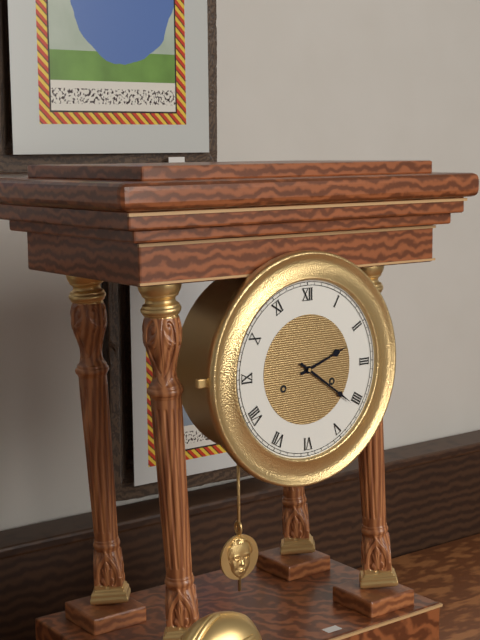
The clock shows h=2 m=21
